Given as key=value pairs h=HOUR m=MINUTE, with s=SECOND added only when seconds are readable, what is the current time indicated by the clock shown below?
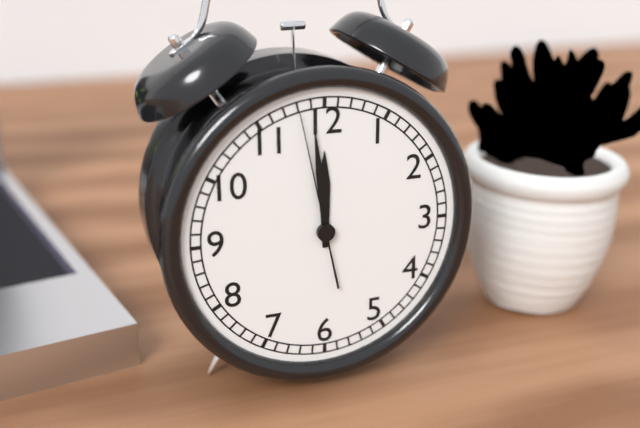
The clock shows h=11 m=59 s=58
